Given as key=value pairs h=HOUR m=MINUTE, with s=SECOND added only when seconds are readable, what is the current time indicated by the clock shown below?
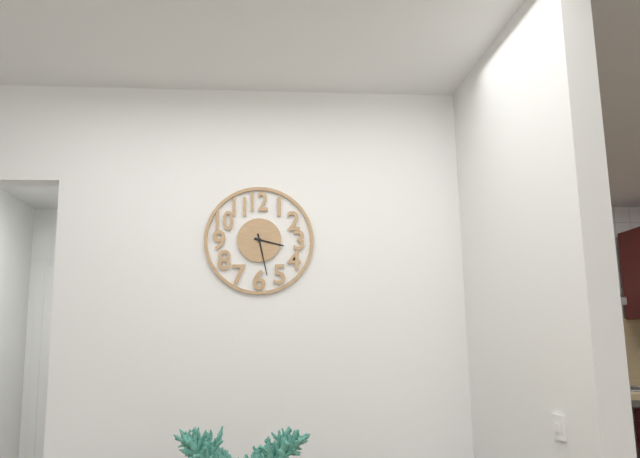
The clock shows h=3 m=28
